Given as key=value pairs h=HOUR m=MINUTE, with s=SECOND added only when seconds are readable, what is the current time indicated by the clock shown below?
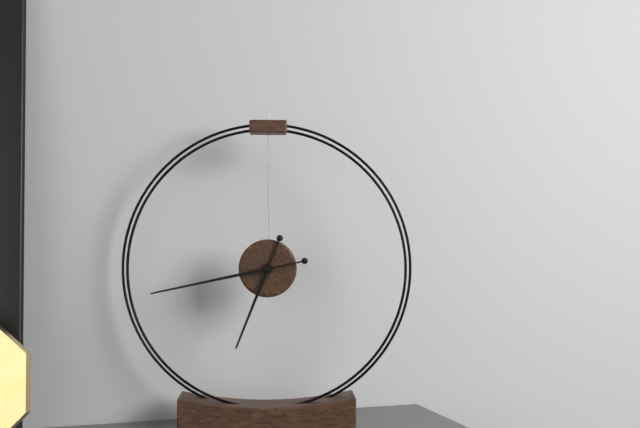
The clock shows h=6 m=43
